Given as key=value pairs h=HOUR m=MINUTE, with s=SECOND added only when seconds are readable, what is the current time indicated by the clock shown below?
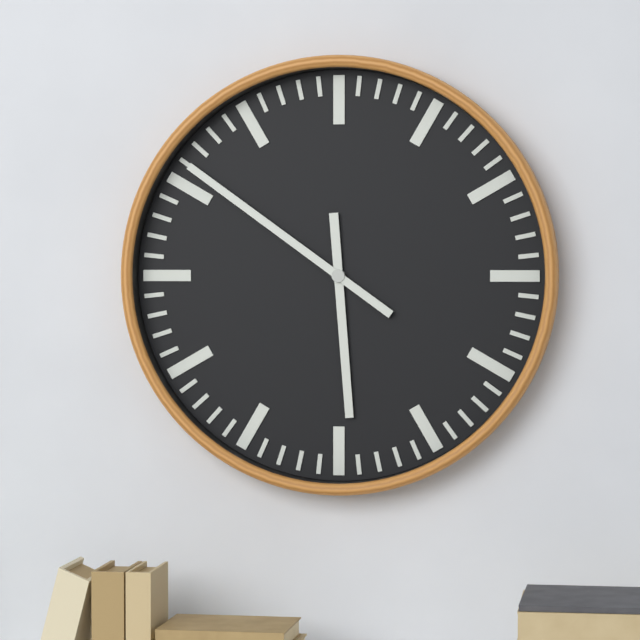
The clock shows h=5 m=51
